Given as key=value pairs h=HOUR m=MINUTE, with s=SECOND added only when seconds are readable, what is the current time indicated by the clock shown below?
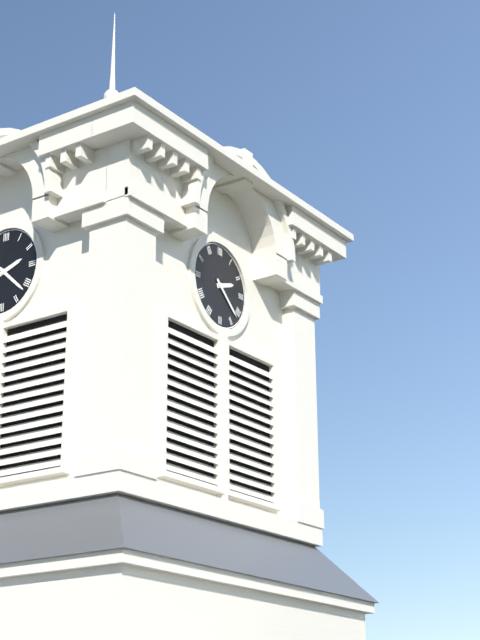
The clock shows h=2 m=22
